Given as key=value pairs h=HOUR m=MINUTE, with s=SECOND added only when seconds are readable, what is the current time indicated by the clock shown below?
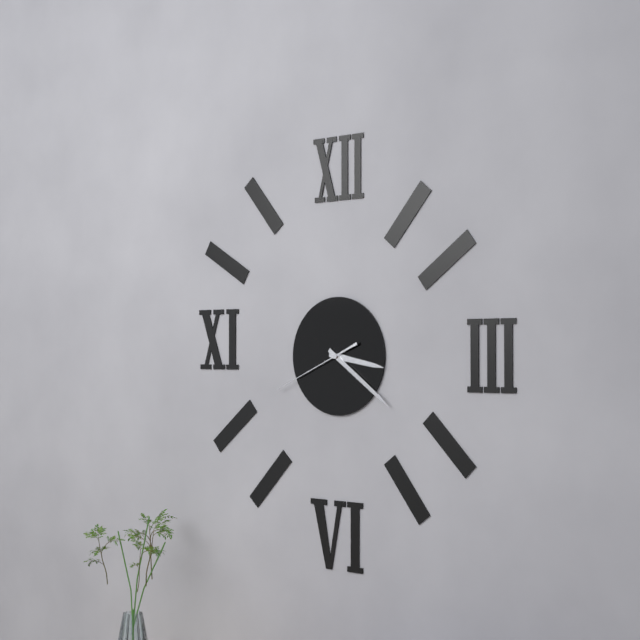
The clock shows h=3 m=21 s=41
